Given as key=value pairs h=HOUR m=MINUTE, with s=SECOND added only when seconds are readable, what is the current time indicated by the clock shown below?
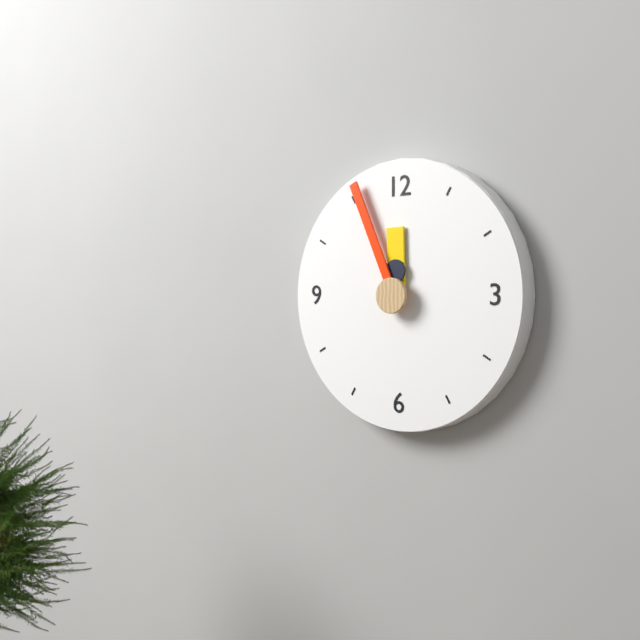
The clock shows h=11 m=56
